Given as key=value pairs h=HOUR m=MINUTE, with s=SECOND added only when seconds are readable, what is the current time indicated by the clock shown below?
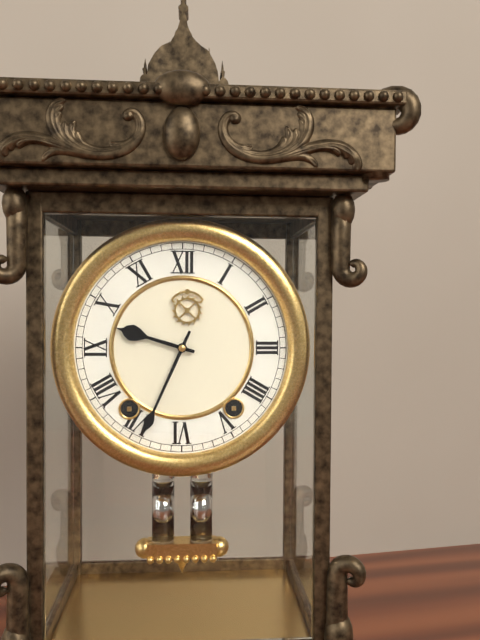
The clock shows h=9 m=34
